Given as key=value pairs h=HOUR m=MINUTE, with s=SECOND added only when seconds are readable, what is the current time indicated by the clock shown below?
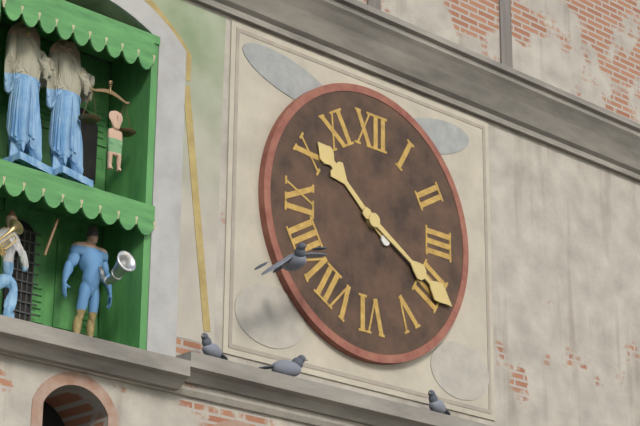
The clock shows h=10 m=20
